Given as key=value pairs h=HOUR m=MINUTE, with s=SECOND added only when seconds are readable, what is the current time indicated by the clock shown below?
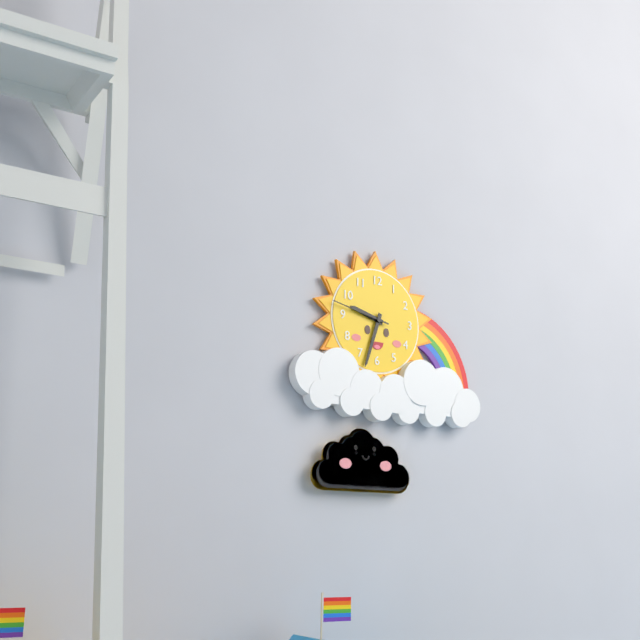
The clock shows h=9 m=33 s=47
